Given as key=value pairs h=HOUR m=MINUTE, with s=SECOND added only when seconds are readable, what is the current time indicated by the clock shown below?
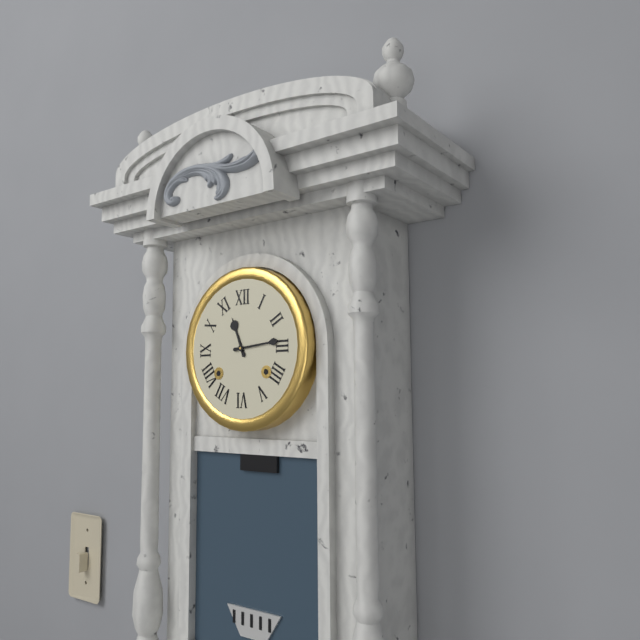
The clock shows h=11 m=14
